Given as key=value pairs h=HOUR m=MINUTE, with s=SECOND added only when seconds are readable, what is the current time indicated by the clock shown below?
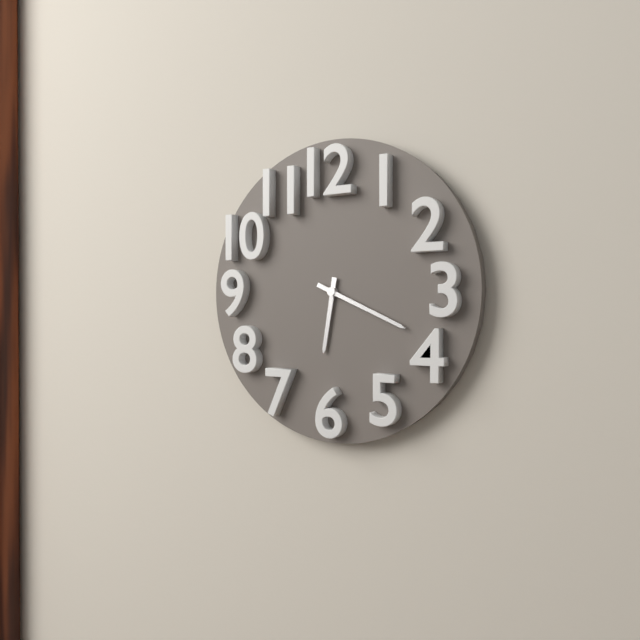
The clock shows h=6 m=19
